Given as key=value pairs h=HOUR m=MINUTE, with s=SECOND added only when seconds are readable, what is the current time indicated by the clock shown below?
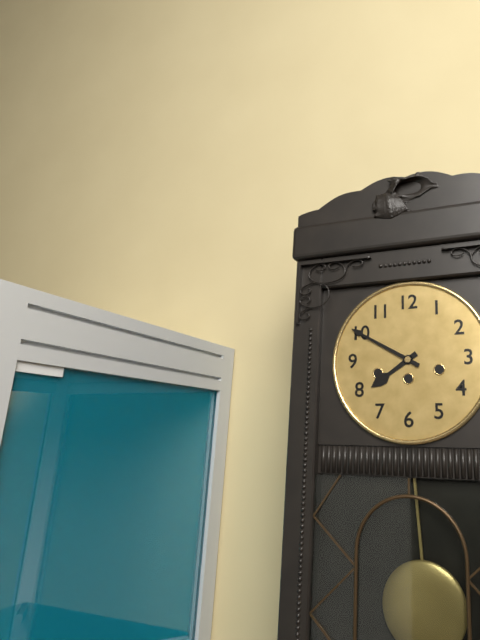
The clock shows h=7 m=50
